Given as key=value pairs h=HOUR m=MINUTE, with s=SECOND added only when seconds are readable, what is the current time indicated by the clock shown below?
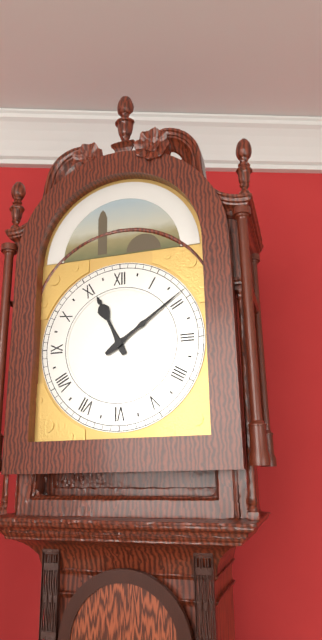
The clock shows h=11 m=9
